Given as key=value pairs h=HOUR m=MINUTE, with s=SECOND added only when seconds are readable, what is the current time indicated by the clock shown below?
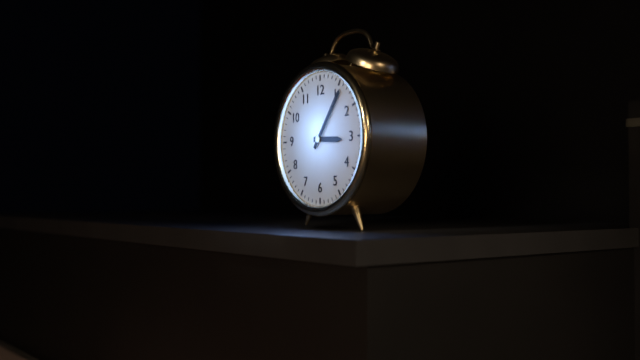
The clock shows h=3 m=6
